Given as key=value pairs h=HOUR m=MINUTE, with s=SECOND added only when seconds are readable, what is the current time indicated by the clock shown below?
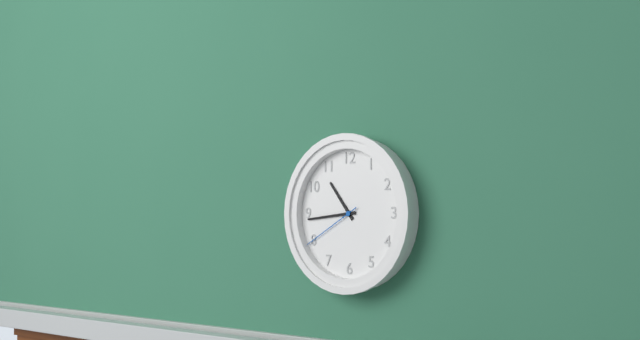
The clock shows h=10 m=44 s=40
